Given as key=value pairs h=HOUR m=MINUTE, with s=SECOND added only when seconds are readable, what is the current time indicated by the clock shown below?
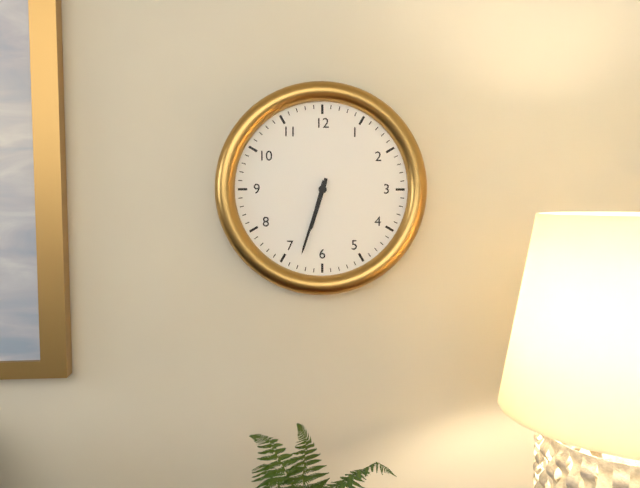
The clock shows h=6 m=33
